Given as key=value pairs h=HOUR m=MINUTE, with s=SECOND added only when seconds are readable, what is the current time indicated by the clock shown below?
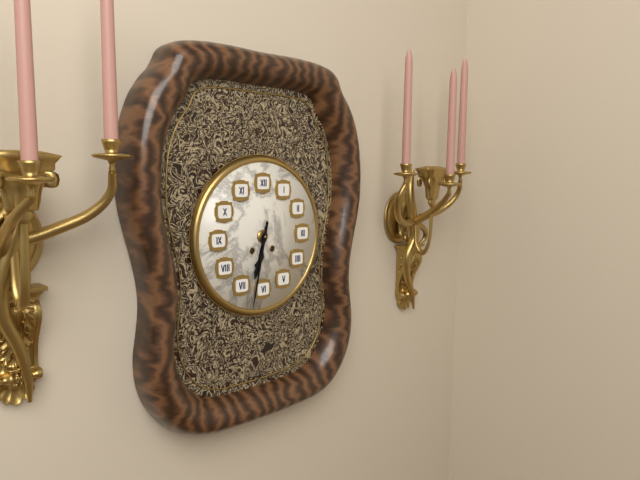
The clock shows h=6 m=32
